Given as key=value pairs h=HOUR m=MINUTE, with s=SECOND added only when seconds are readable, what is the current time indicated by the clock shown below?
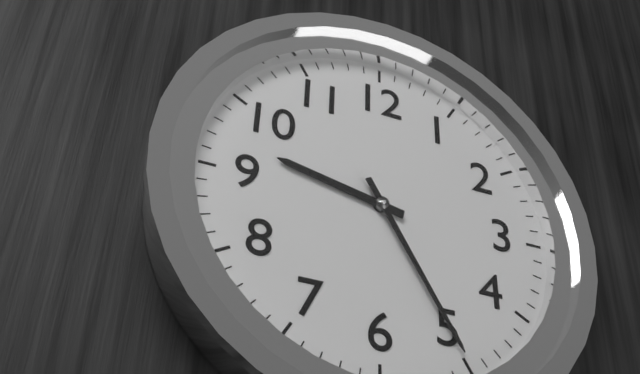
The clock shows h=9 m=25
